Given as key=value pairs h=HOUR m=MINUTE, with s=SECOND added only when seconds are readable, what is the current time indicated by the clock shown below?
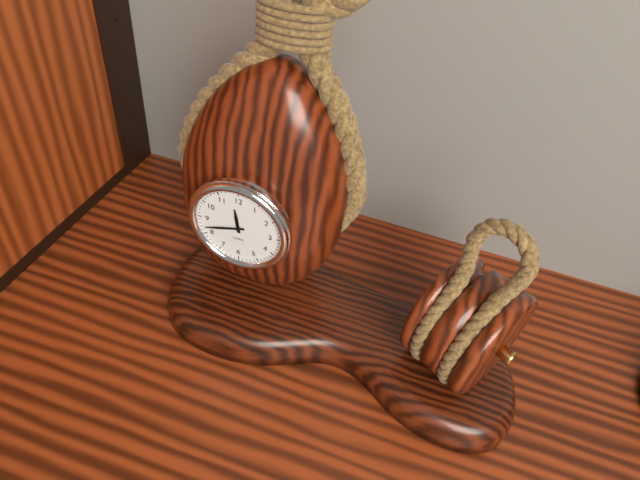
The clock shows h=11 m=42
